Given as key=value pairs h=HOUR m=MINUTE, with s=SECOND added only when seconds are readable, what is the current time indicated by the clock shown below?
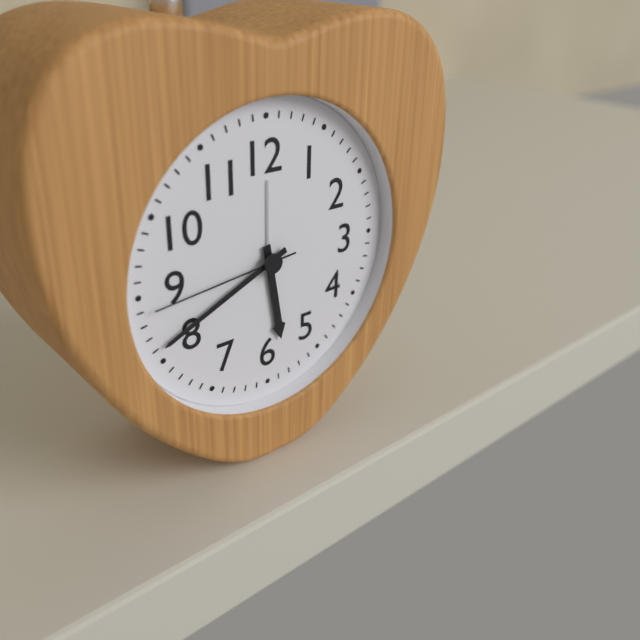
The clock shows h=5 m=41 s=44
